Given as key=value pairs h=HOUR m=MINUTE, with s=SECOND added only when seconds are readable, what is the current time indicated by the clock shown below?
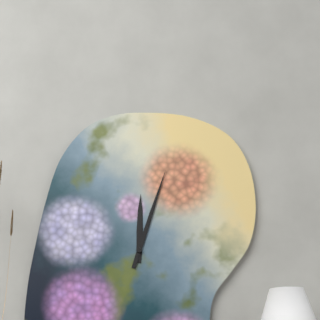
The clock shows h=12 m=3
